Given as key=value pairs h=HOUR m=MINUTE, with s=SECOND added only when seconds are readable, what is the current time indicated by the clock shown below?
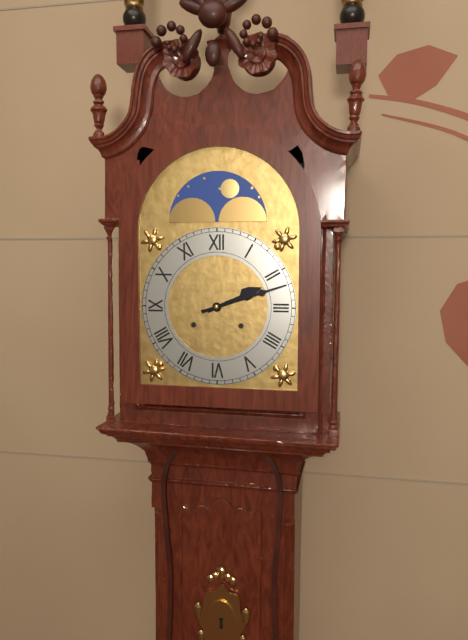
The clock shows h=2 m=12
